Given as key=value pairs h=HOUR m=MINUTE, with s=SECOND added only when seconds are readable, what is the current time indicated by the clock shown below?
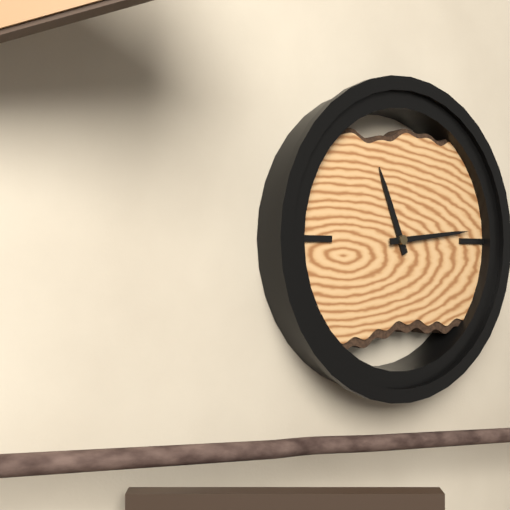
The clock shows h=11 m=14
